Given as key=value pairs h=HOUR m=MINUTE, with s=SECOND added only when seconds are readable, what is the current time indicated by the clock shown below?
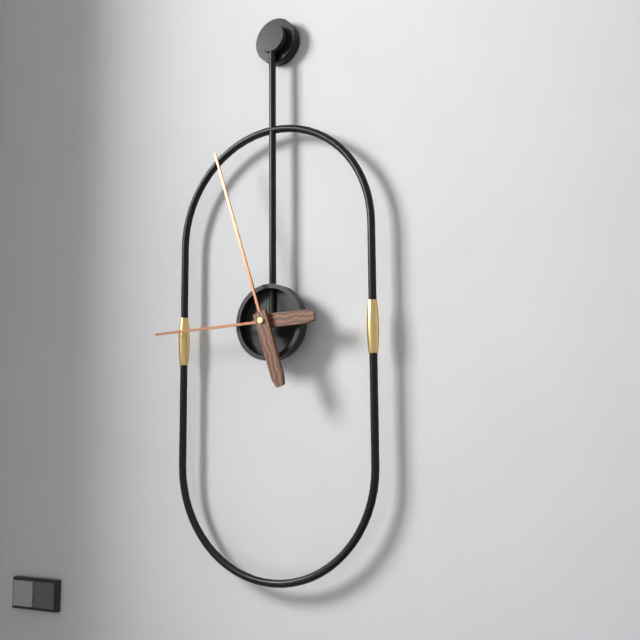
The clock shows h=8 m=57
